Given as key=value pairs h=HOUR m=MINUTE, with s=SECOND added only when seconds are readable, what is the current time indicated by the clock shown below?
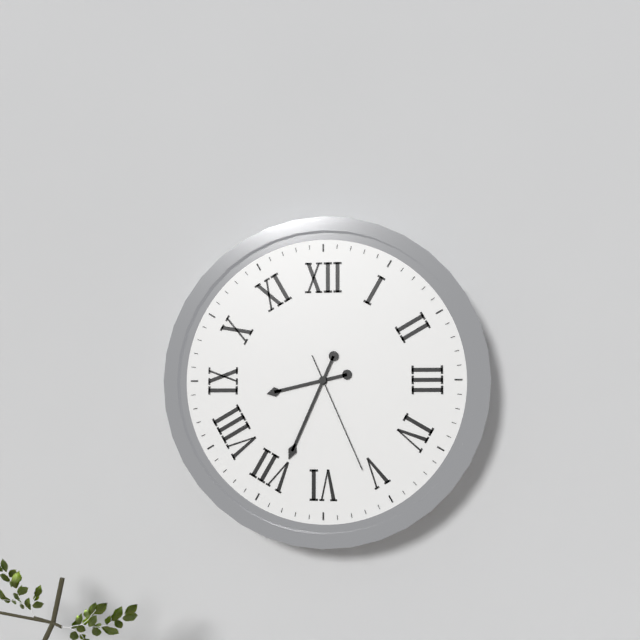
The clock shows h=8 m=34 s=26
